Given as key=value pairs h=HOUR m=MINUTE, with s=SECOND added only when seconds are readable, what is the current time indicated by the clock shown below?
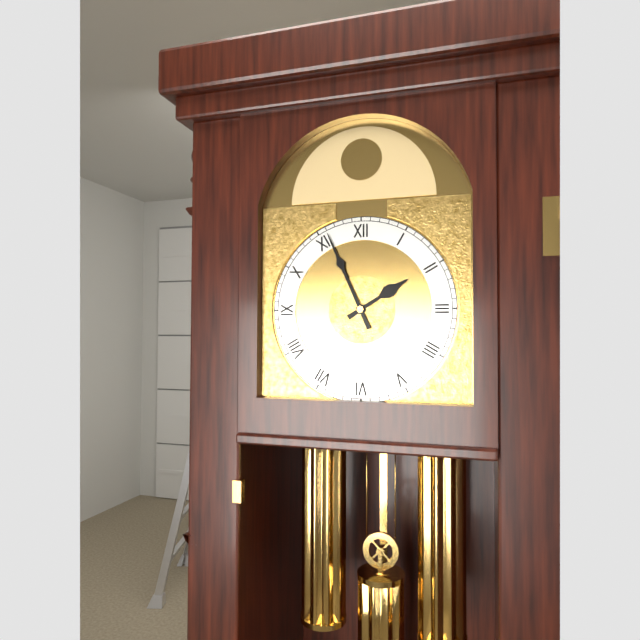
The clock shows h=1 m=56
